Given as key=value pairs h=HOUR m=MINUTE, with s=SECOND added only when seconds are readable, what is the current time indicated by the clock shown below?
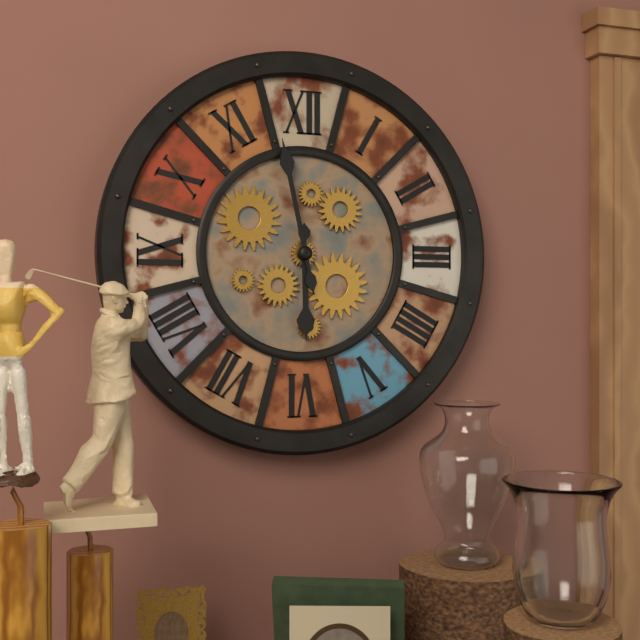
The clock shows h=5 m=58
